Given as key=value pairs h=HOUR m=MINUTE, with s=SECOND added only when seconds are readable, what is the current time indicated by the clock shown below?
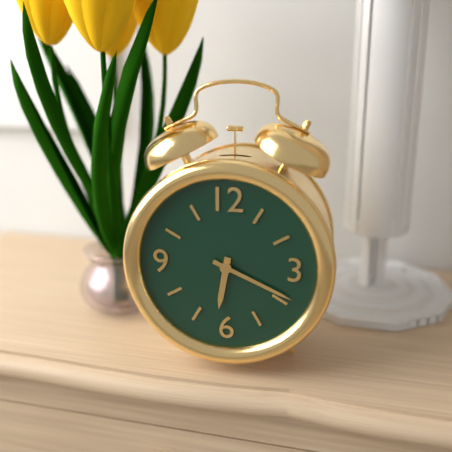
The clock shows h=6 m=19
